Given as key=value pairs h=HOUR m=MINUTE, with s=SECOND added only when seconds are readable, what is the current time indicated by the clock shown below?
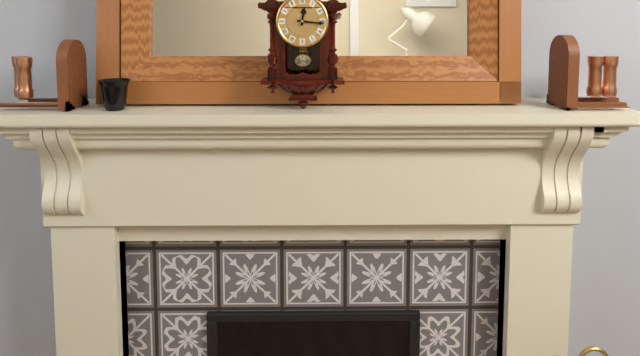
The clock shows h=12 m=16
